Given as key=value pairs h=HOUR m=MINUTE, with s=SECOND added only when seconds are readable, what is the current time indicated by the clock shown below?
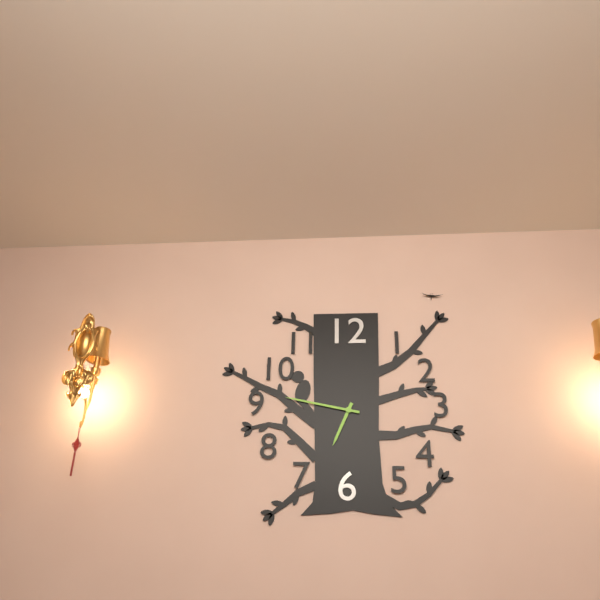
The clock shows h=6 m=47
